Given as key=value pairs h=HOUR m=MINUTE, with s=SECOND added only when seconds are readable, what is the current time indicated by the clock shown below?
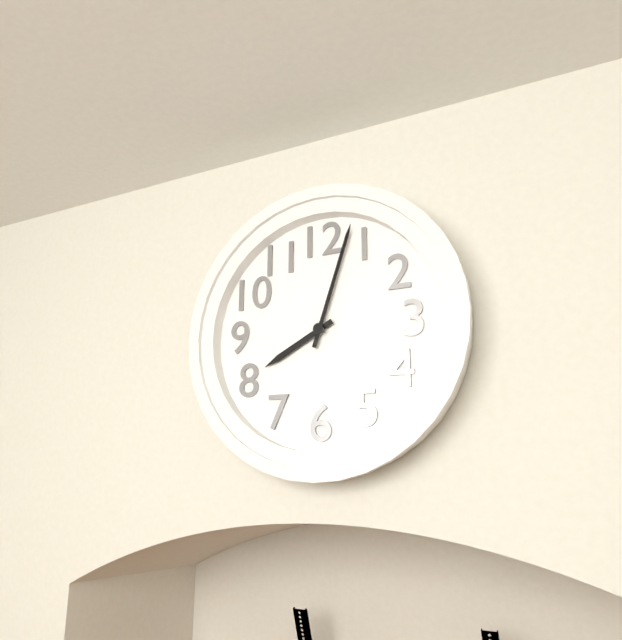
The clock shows h=8 m=3
